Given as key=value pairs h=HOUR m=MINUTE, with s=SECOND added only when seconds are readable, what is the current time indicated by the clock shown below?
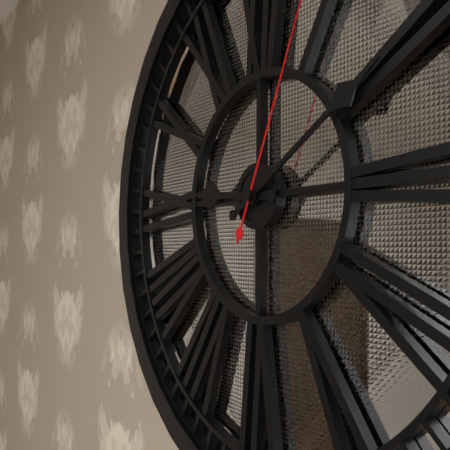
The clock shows h=9 m=10
